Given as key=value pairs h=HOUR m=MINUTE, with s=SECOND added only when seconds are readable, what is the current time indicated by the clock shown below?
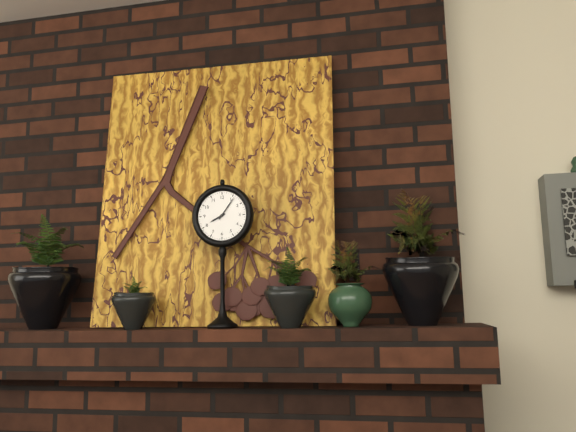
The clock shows h=8 m=6
